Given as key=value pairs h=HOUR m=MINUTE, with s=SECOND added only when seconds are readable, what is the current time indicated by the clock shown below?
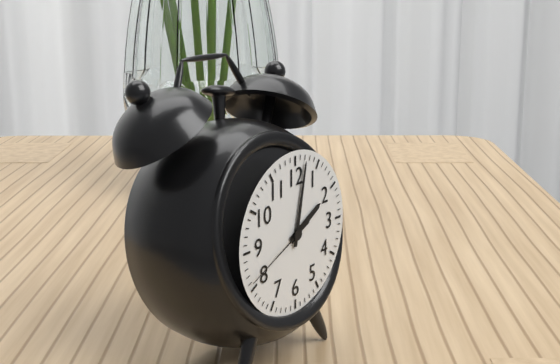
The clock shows h=2 m=2 s=41
